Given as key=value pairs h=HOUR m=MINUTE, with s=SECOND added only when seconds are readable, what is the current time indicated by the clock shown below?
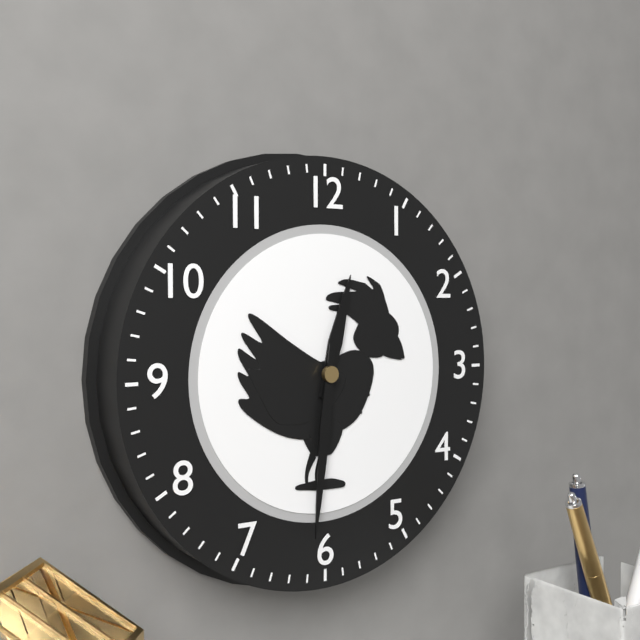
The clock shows h=12 m=31
